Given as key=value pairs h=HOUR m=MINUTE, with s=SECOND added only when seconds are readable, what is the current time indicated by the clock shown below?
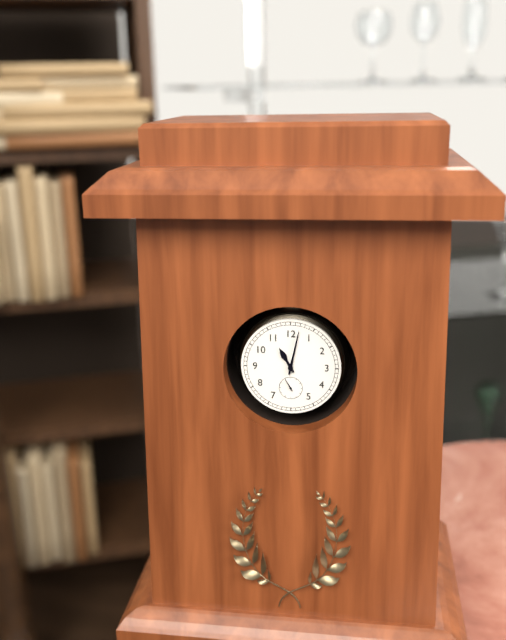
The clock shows h=11 m=2
